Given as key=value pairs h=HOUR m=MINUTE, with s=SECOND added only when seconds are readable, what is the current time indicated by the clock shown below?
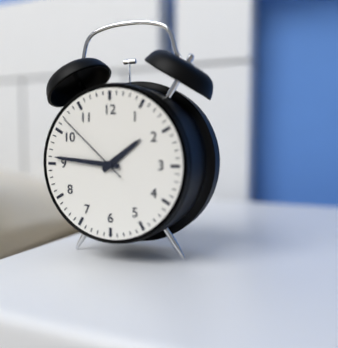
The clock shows h=1 m=46 s=52
